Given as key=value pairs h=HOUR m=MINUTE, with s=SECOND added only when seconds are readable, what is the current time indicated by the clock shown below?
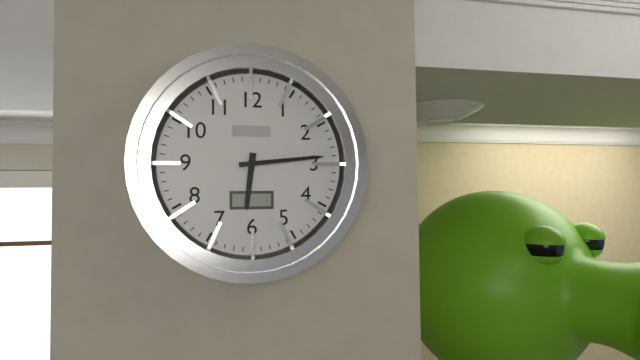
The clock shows h=6 m=14
